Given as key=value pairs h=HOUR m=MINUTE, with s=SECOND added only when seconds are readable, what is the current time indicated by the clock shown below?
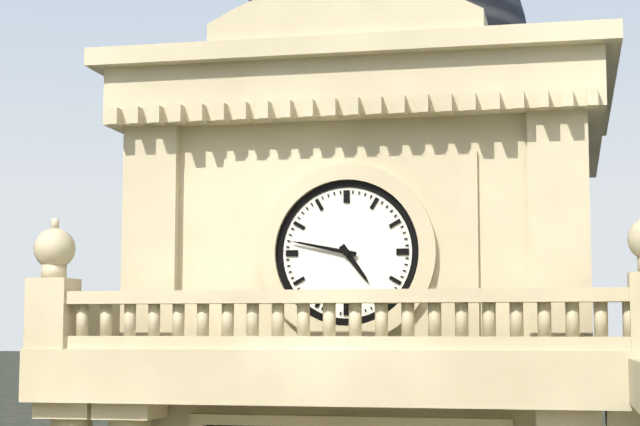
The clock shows h=4 m=47
